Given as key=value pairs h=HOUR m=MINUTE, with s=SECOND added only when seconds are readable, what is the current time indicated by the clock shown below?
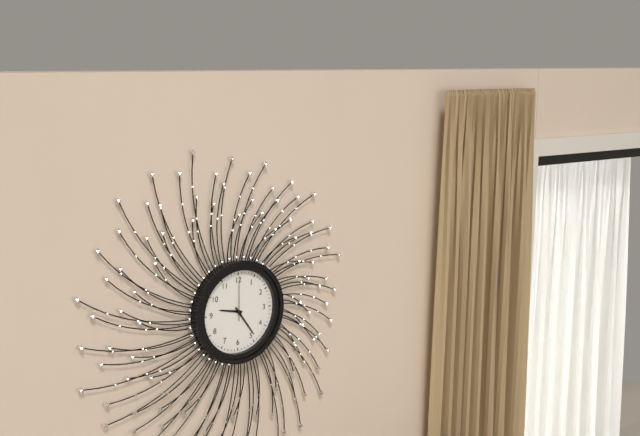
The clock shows h=9 m=24
